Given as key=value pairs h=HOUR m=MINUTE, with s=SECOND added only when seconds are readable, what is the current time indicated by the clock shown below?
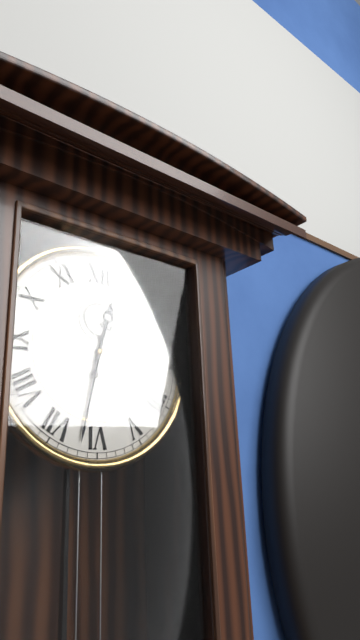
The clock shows h=12 m=32
